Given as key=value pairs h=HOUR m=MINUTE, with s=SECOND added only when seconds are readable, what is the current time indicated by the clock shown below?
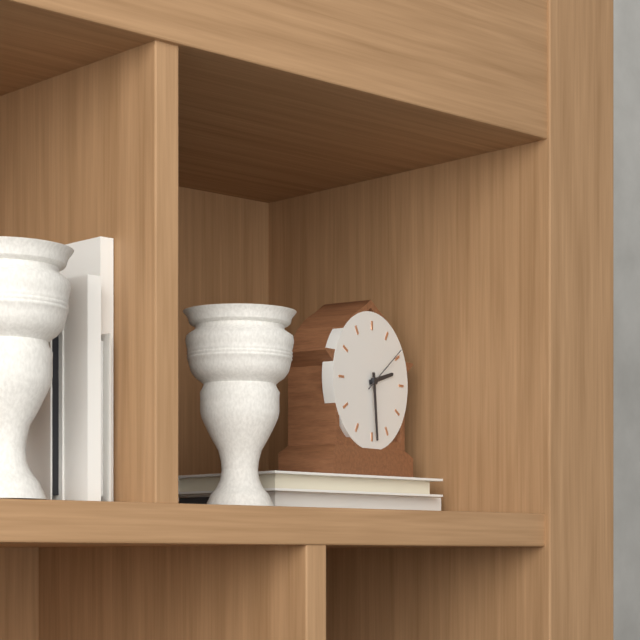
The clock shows h=2 m=29 s=9
